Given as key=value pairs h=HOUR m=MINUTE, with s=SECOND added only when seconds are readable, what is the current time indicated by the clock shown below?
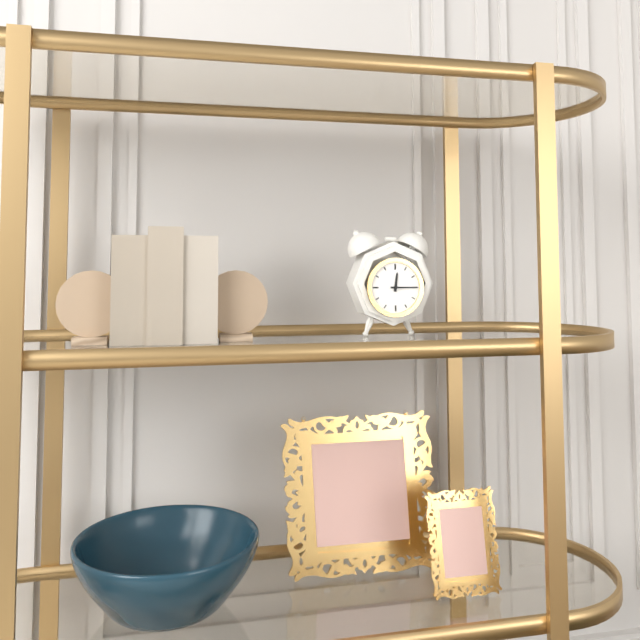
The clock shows h=12 m=15
